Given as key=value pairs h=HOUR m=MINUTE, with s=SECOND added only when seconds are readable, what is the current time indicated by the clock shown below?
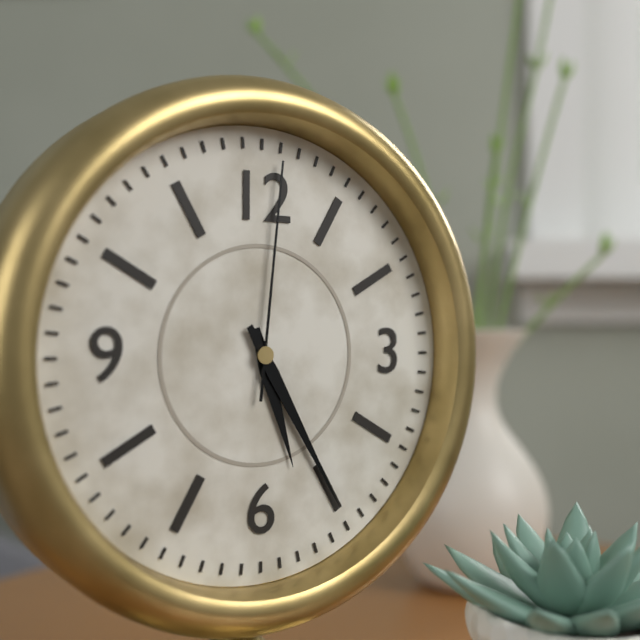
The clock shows h=5 m=25 s=1
